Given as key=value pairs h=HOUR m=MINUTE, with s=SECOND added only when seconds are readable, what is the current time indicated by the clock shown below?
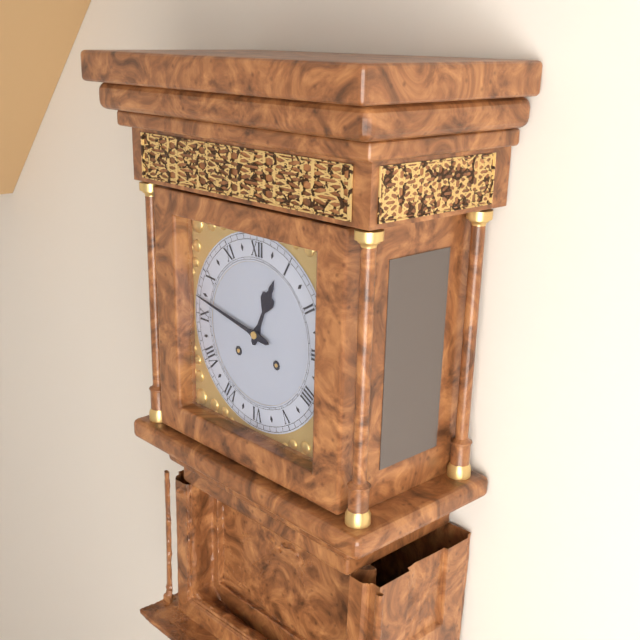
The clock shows h=12 m=47
